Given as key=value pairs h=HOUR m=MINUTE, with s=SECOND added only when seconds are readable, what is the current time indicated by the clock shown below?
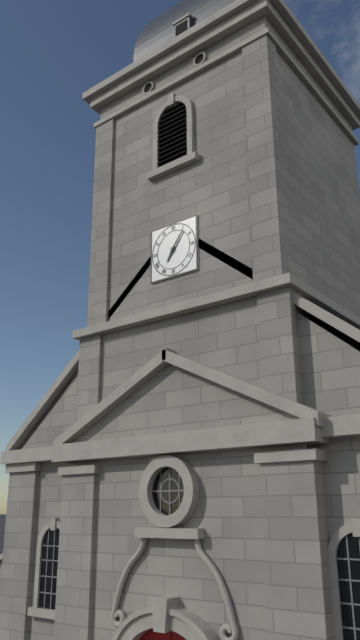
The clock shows h=7 m=6
